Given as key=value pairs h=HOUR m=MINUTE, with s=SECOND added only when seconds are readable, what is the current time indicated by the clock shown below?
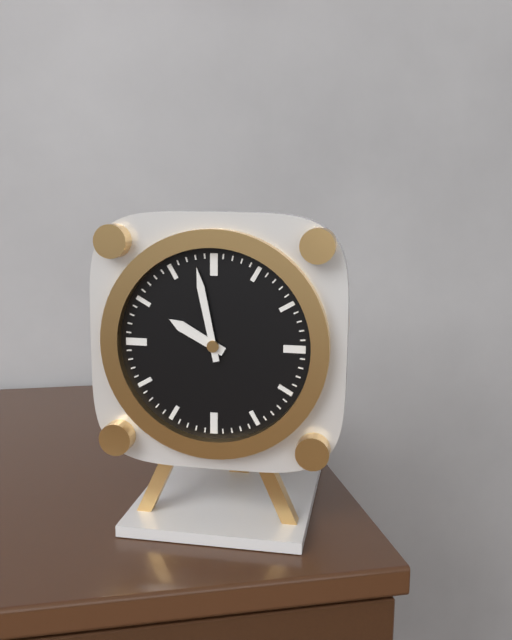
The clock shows h=9 m=58
